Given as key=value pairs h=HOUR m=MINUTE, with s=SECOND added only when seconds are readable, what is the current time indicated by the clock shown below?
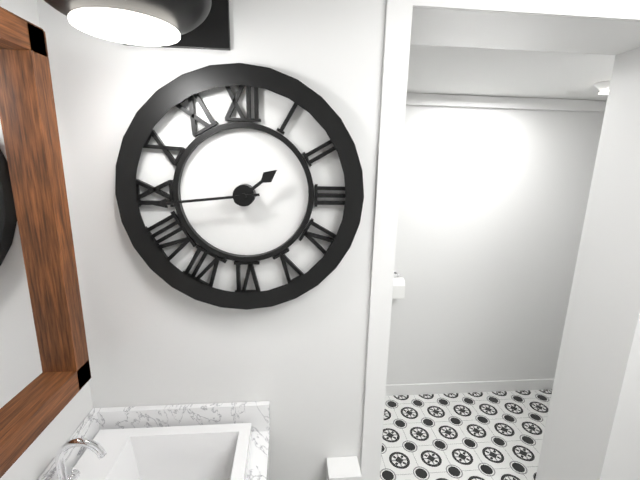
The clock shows h=1 m=44
